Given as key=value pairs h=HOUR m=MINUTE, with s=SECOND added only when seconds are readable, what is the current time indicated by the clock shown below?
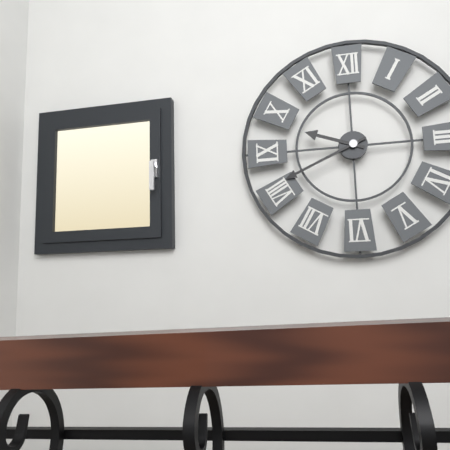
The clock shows h=9 m=41
